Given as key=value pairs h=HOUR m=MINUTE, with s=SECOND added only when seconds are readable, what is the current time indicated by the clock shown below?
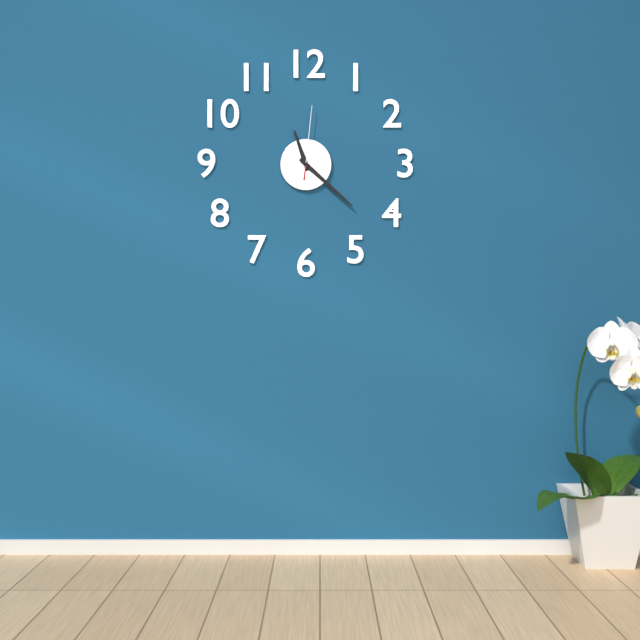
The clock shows h=11 m=22 s=1
